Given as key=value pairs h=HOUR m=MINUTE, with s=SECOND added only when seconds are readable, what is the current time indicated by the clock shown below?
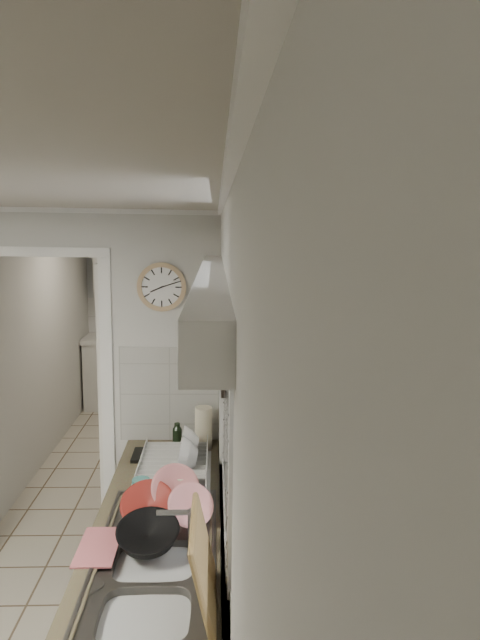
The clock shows h=8 m=12
